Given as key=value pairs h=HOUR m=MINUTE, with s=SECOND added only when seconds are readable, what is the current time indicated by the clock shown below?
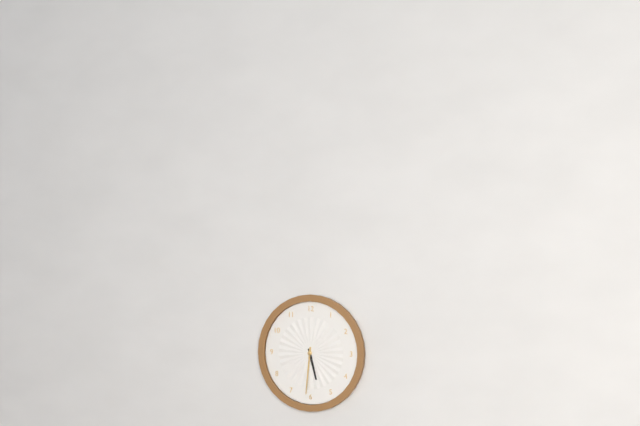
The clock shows h=5 m=31
